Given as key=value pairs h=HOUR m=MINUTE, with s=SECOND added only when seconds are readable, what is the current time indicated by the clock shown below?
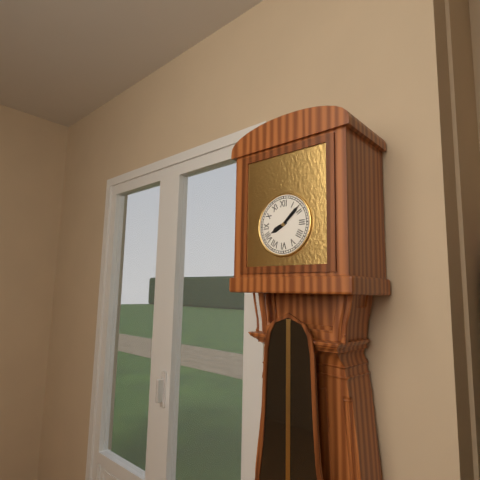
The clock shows h=8 m=8
